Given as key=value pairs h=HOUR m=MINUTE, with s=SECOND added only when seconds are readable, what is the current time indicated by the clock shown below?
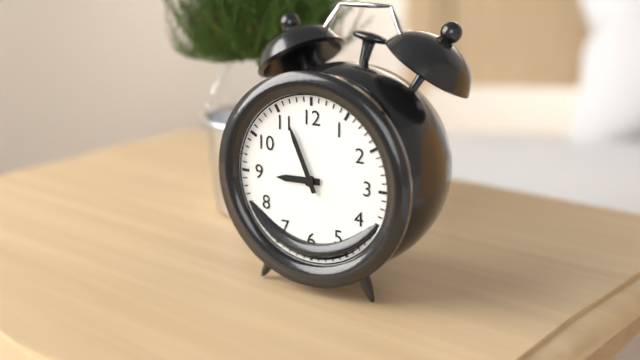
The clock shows h=8 m=56
